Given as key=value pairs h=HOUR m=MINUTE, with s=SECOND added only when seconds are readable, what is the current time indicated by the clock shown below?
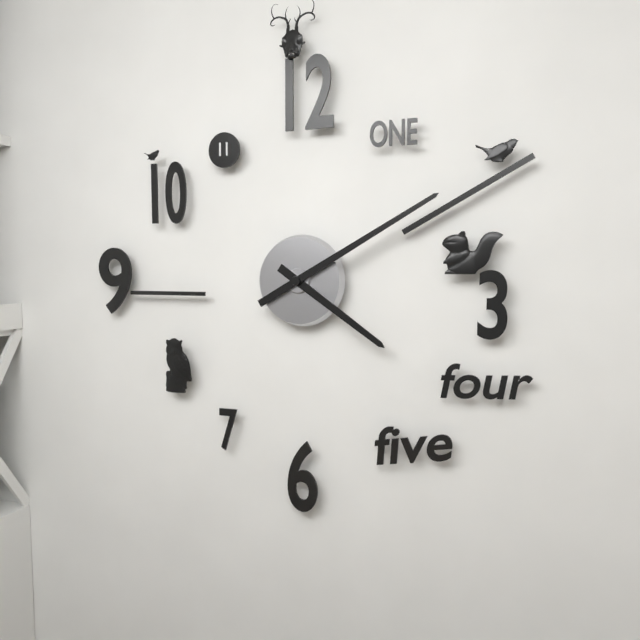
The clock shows h=4 m=10
